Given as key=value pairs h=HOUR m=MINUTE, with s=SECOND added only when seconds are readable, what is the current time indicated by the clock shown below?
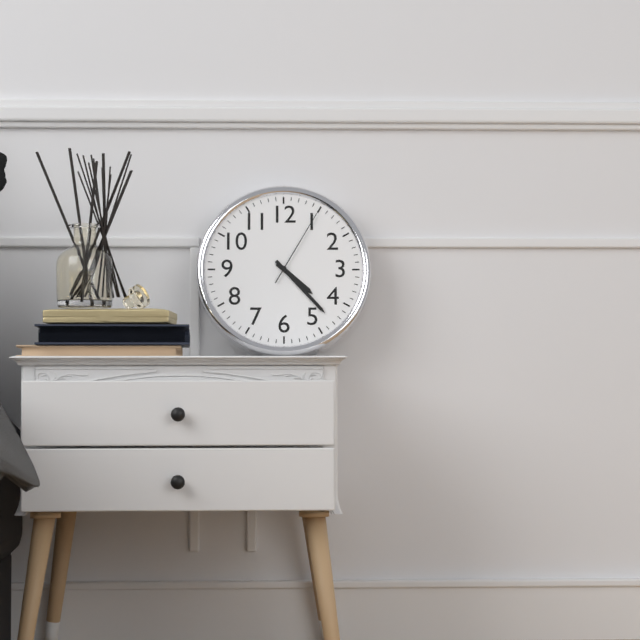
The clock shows h=4 m=23 s=5
